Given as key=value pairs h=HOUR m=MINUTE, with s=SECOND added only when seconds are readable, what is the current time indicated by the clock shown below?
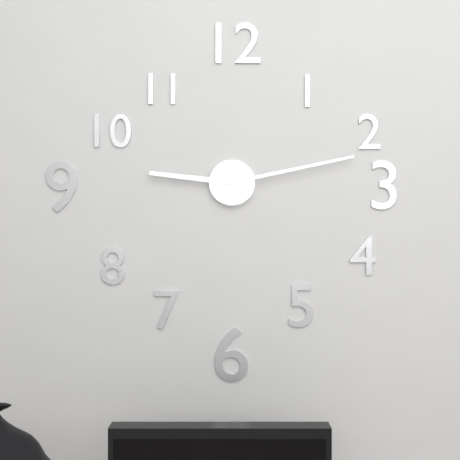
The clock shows h=9 m=13
